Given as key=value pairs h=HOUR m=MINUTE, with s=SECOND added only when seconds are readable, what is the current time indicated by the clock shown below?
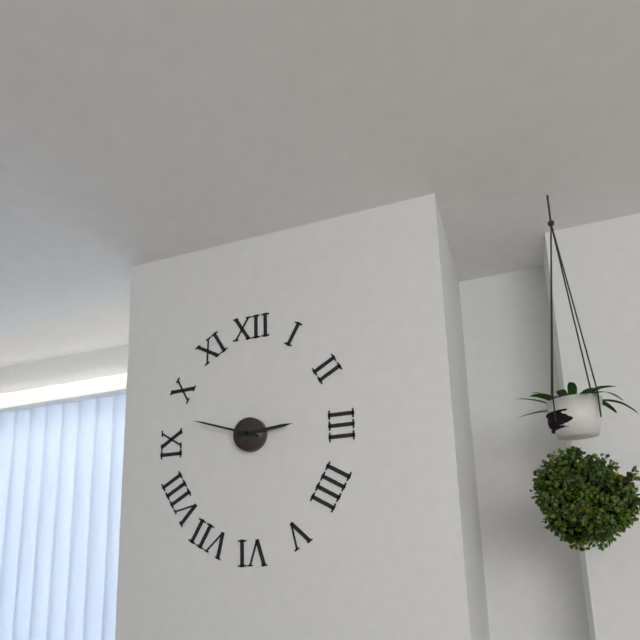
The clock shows h=2 m=48
